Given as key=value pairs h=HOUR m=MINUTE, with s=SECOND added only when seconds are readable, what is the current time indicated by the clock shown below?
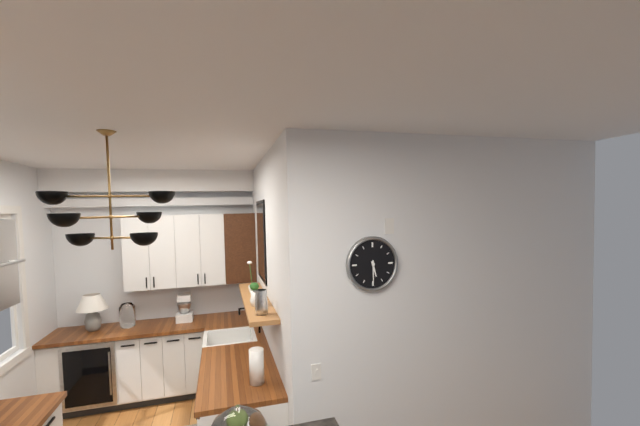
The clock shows h=5 m=30
